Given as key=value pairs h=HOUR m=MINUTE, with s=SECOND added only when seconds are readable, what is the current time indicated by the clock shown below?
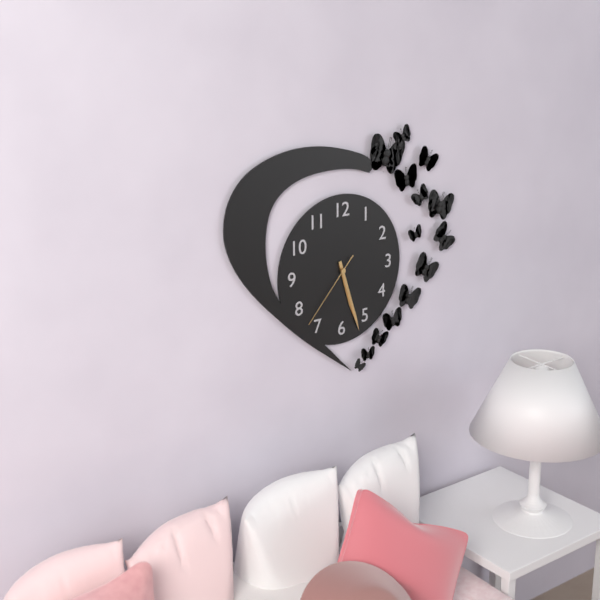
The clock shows h=5 m=27 s=37
